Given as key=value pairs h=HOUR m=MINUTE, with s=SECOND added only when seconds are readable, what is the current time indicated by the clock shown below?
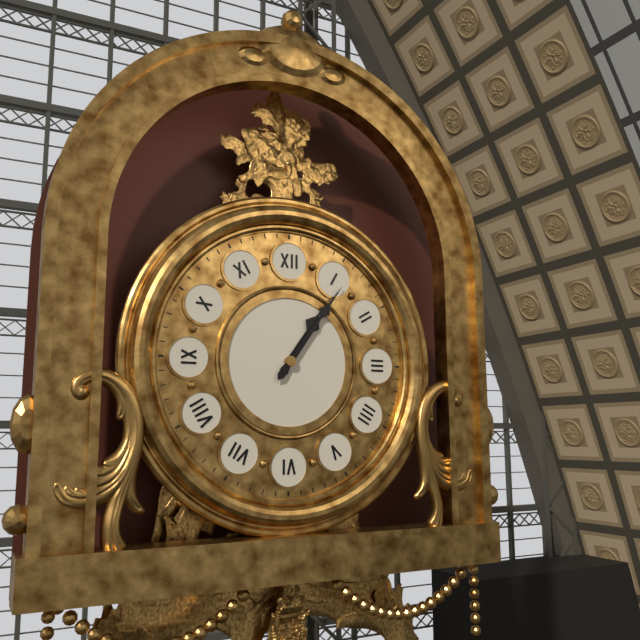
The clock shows h=1 m=6
